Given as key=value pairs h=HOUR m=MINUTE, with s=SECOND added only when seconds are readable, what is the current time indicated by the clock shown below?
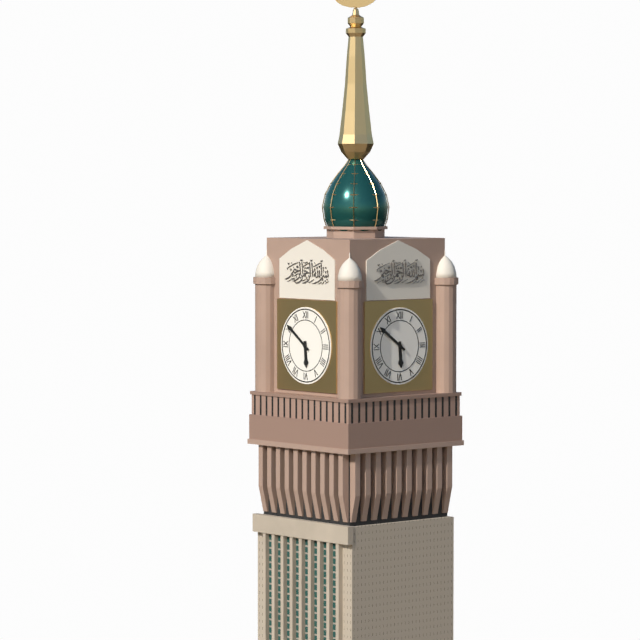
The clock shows h=5 m=51
